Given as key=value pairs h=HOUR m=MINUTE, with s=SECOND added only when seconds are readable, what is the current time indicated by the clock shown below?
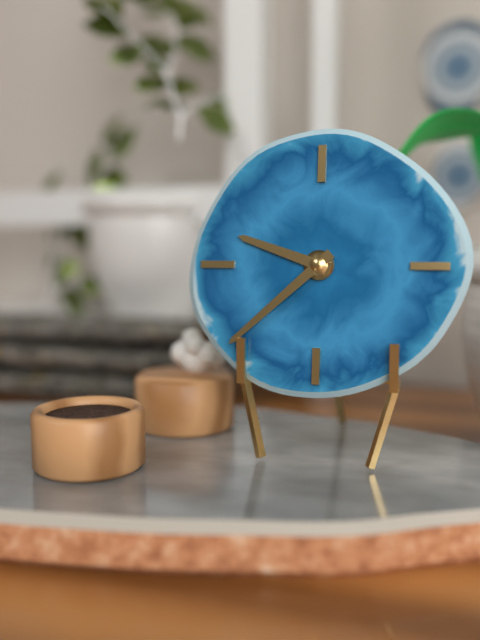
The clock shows h=9 m=38
